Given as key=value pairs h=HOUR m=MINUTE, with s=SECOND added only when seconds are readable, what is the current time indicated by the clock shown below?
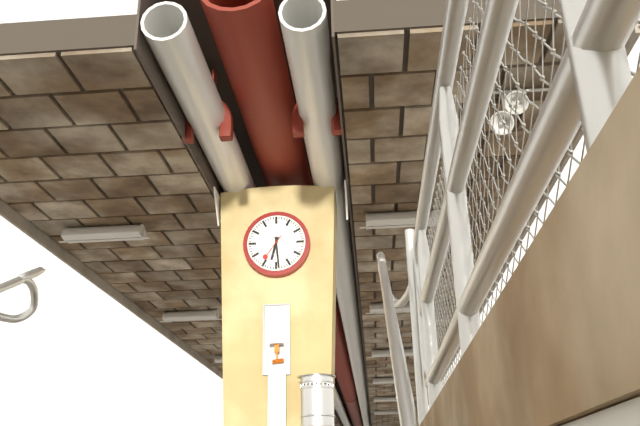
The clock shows h=6 m=29
